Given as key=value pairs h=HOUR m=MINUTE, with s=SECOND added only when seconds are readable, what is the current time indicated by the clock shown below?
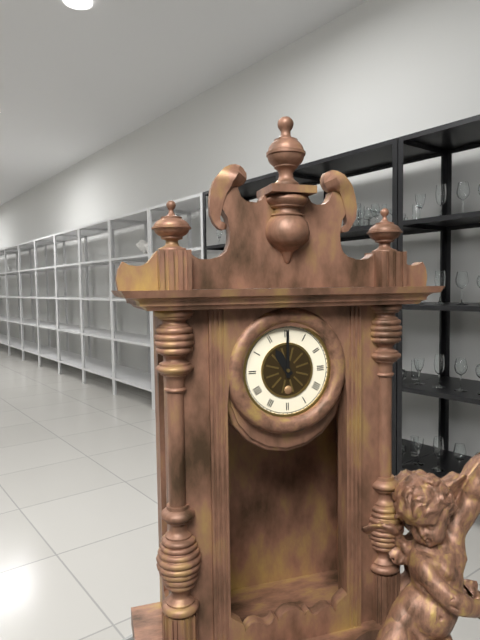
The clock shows h=11 m=0
